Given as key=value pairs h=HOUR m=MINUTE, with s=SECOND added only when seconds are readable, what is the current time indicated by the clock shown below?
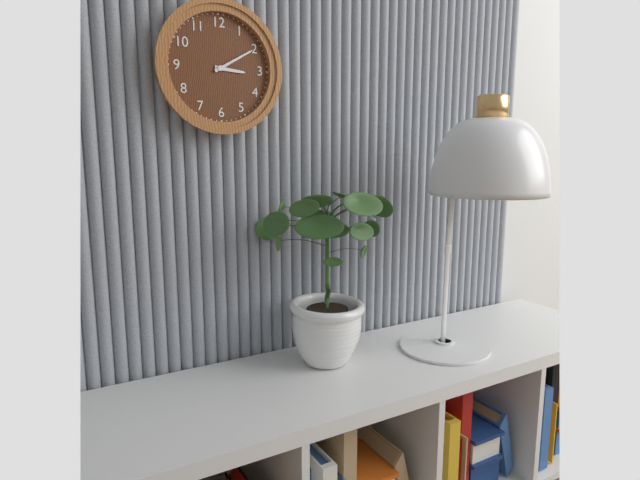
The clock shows h=3 m=10
